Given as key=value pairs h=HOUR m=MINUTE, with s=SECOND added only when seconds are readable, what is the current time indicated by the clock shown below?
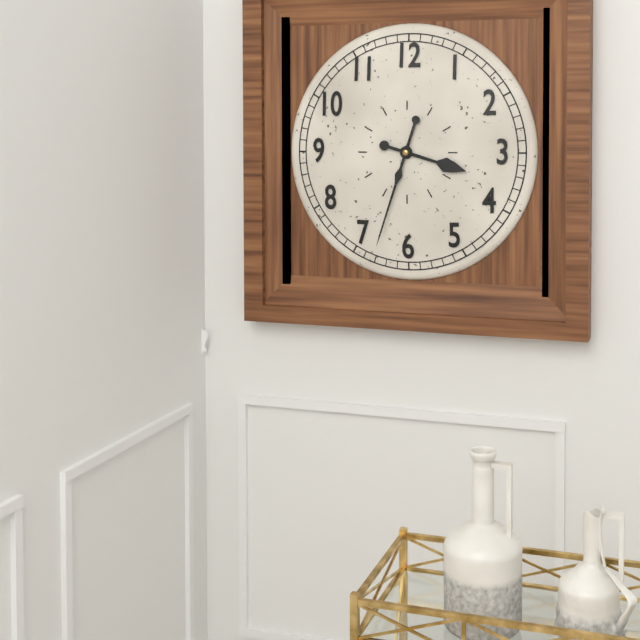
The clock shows h=3 m=33
